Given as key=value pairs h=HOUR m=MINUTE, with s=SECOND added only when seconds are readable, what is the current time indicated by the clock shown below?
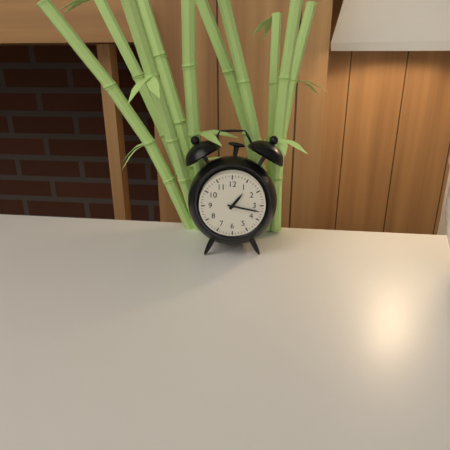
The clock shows h=1 m=17
